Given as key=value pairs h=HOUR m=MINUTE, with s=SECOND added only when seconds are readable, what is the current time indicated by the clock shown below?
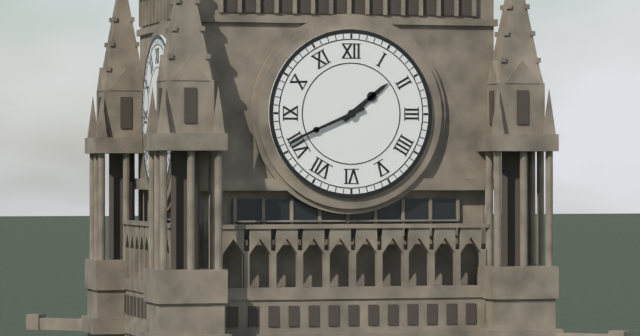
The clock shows h=1 m=41
